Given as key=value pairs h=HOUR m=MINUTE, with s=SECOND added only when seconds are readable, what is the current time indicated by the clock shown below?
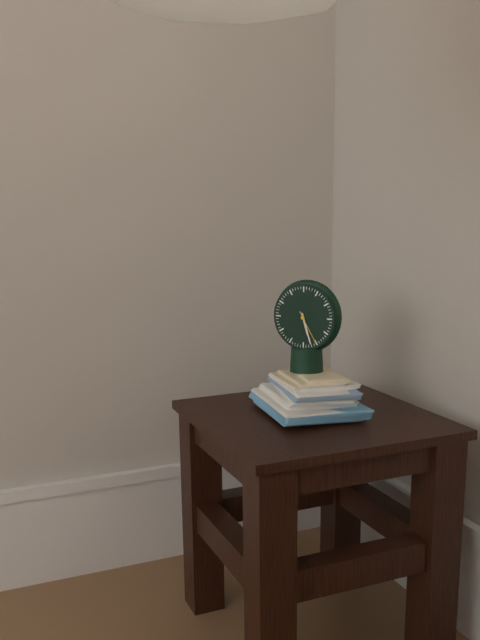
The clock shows h=5 m=27
